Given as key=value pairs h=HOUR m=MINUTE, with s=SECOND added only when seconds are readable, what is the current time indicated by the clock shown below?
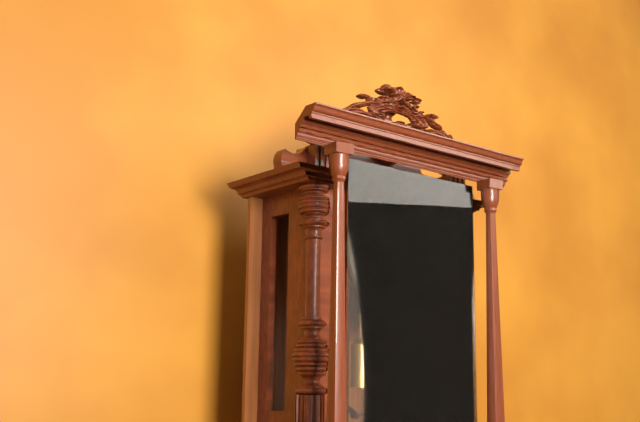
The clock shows h=7 m=37
